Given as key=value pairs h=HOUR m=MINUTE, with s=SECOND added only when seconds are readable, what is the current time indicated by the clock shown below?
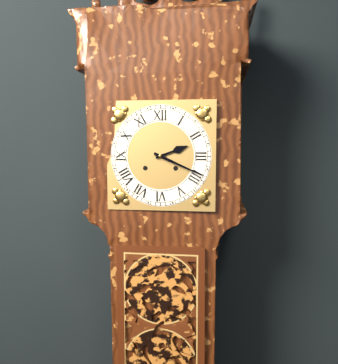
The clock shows h=2 m=19
